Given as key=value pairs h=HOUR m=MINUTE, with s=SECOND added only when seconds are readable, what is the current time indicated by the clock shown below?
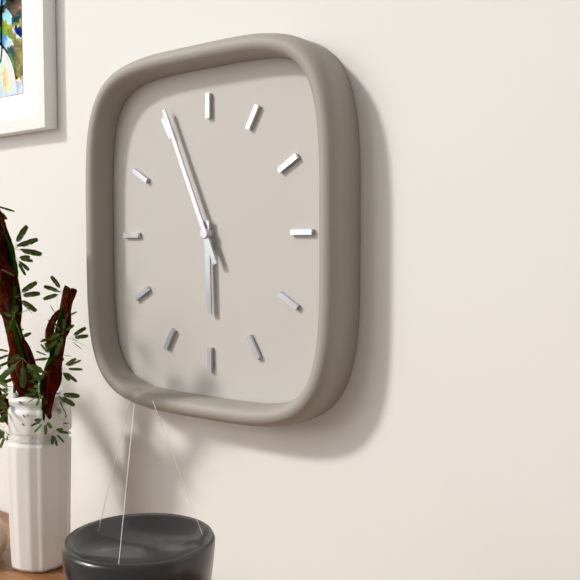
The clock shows h=5 m=56
